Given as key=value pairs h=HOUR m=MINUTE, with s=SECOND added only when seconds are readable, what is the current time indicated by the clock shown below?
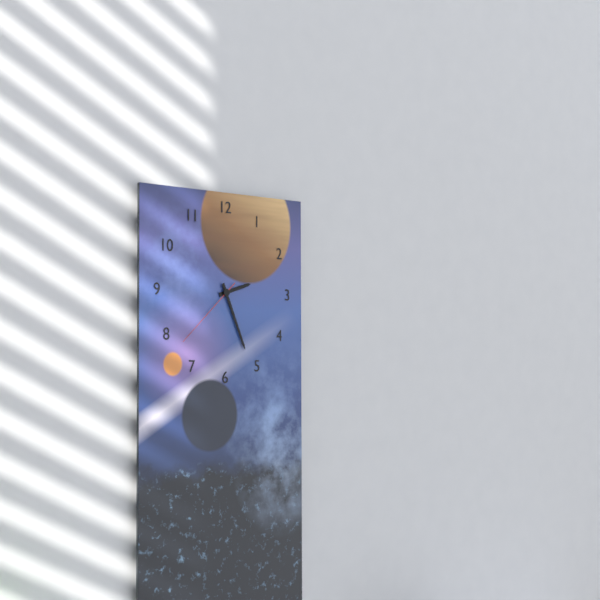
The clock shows h=2 m=26 s=38
